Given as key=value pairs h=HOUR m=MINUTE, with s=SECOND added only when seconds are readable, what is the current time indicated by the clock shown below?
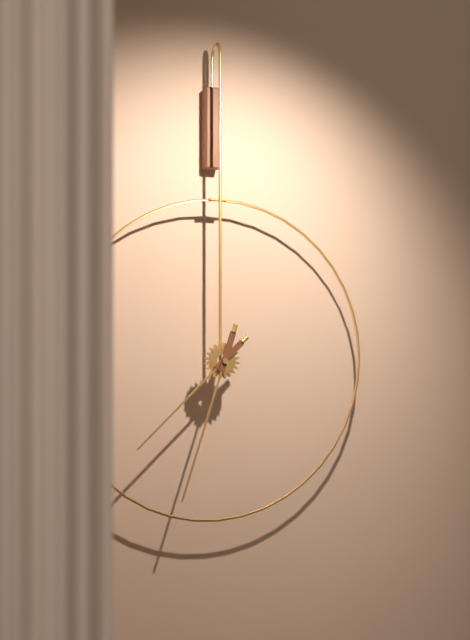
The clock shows h=7 m=33
